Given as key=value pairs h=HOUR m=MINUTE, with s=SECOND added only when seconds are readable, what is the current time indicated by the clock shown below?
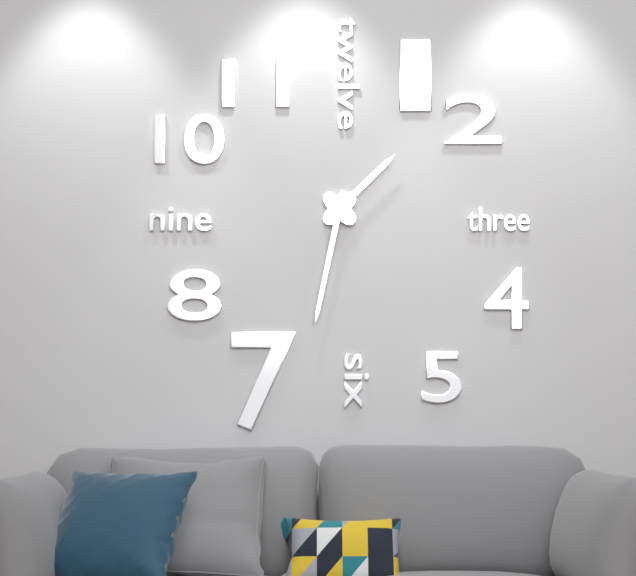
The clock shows h=1 m=32
